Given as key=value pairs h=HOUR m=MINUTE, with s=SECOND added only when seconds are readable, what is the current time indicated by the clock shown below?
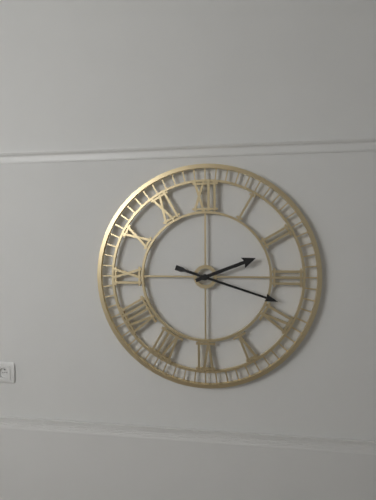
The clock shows h=2 m=18
